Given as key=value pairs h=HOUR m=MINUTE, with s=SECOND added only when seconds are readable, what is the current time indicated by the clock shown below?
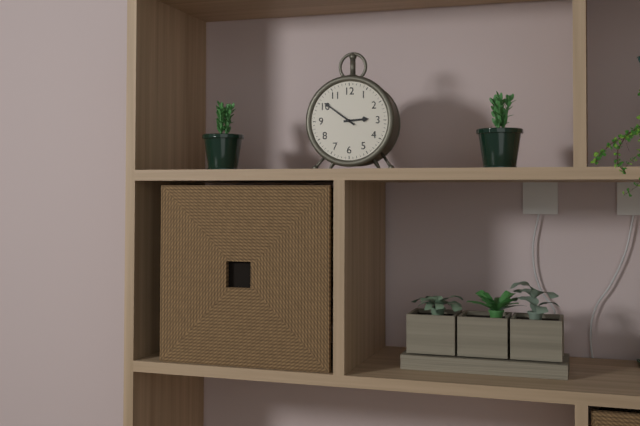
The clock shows h=2 m=51
